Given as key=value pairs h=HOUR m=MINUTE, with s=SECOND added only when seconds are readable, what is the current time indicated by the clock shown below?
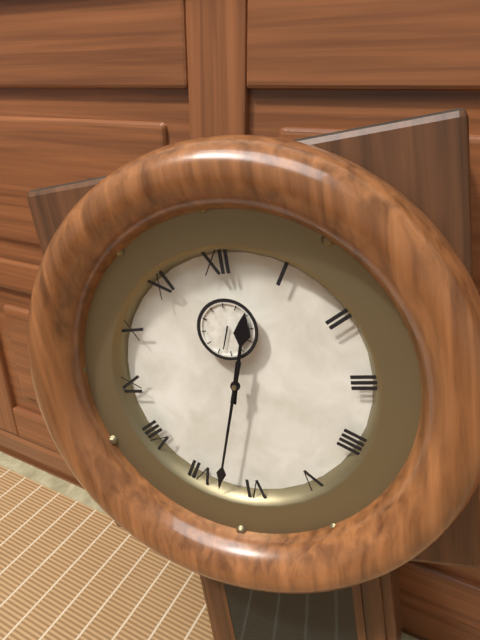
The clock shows h=12 m=33
